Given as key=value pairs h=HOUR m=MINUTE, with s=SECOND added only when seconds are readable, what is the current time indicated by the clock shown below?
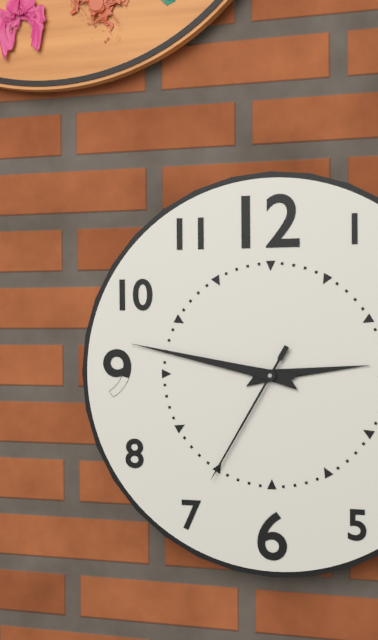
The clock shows h=2 m=47 s=35
